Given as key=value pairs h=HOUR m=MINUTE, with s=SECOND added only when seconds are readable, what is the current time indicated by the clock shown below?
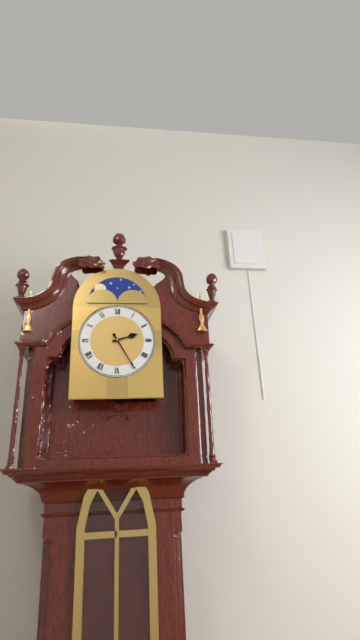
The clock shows h=2 m=25
